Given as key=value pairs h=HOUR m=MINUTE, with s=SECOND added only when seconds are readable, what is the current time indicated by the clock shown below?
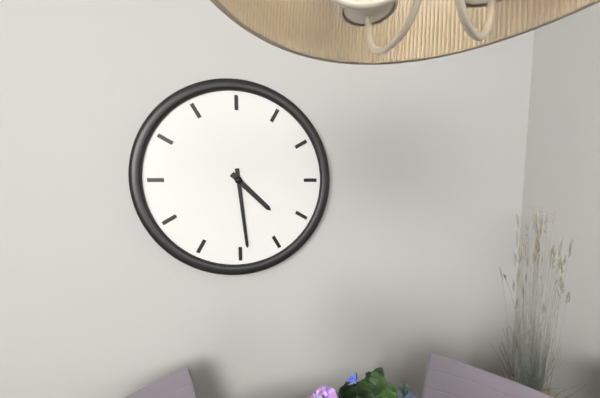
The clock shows h=4 m=29
